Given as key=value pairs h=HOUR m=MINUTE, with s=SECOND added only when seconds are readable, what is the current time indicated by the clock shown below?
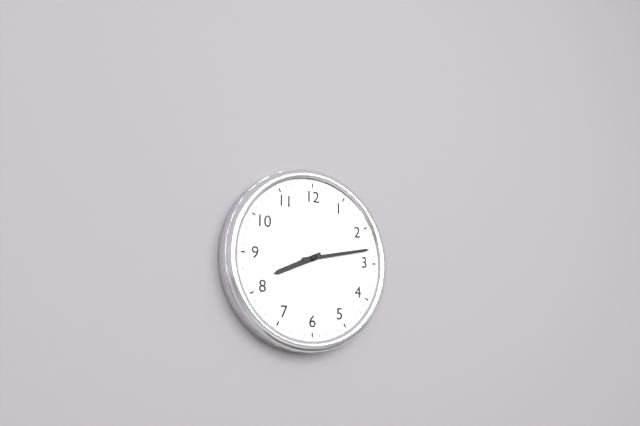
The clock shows h=8 m=13
